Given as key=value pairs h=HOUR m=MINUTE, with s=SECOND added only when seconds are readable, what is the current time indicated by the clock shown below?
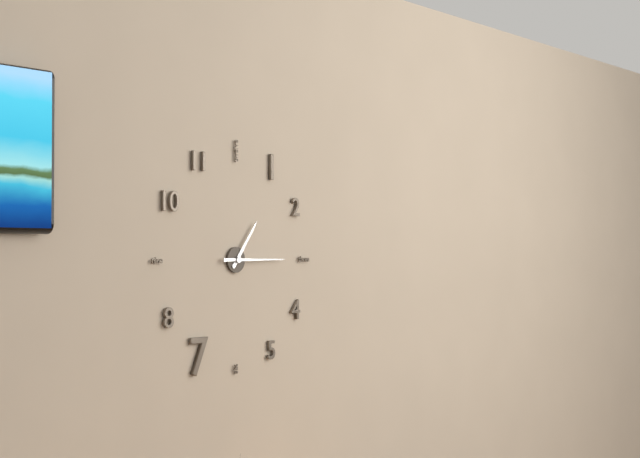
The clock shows h=1 m=15
